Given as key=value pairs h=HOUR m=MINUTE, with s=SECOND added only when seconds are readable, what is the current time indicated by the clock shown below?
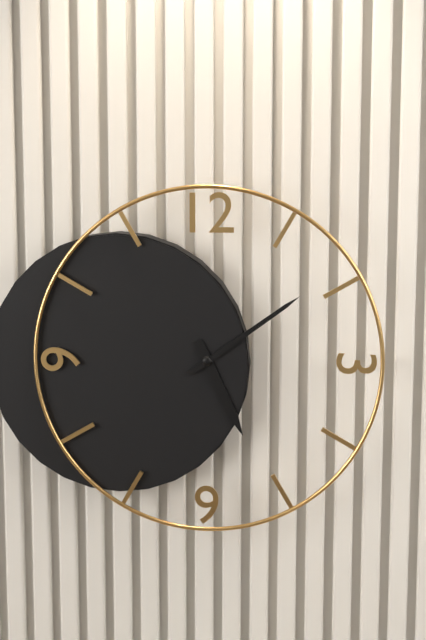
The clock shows h=5 m=9
